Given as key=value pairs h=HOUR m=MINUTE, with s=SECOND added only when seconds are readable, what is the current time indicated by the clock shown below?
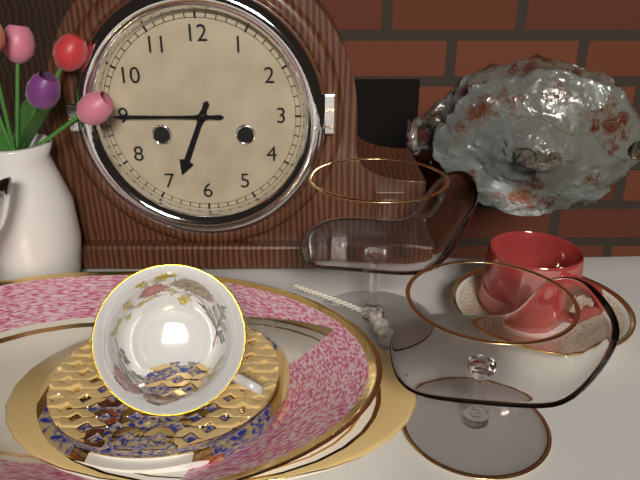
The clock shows h=6 m=45
